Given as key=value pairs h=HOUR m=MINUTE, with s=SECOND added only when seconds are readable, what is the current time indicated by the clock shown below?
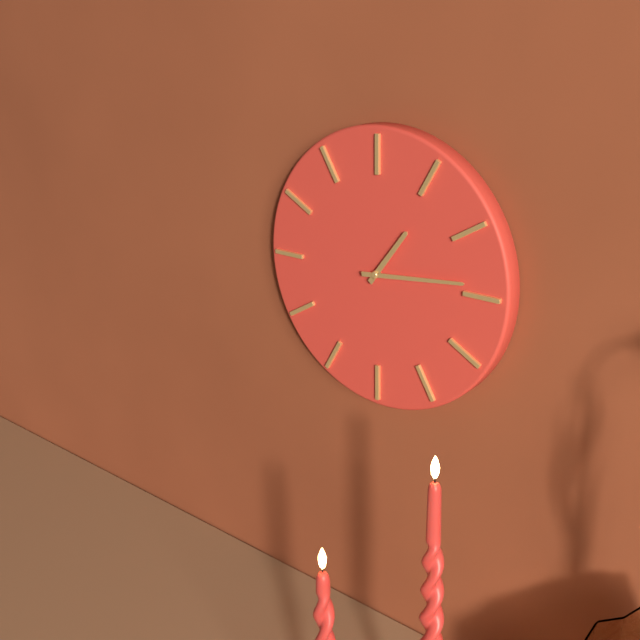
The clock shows h=1 m=14
